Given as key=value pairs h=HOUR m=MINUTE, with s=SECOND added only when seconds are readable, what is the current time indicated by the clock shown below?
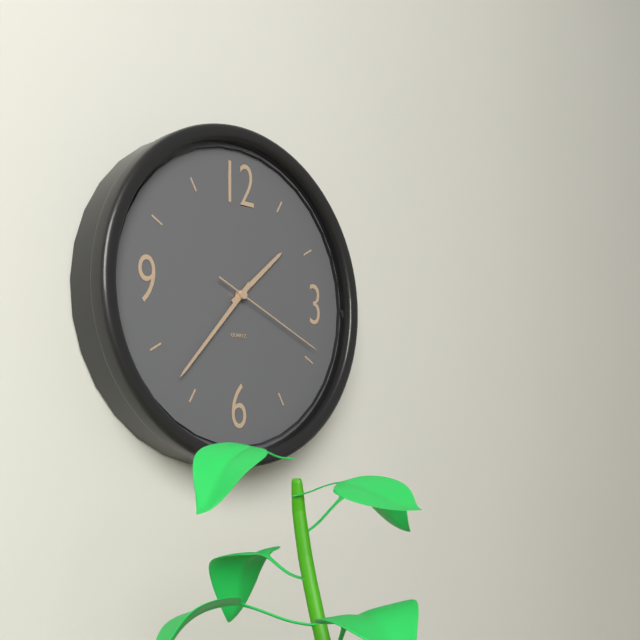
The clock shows h=1 m=37 s=19
